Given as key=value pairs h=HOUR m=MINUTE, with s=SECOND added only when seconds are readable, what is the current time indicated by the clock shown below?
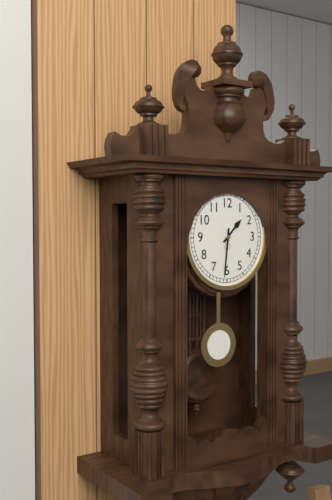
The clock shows h=1 m=31
